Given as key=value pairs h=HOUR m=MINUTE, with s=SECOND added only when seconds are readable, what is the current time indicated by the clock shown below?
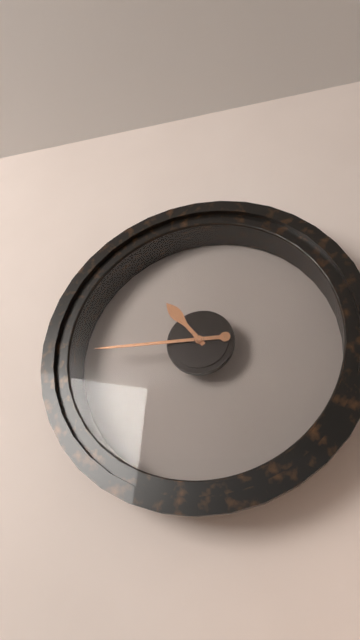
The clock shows h=10 m=45
